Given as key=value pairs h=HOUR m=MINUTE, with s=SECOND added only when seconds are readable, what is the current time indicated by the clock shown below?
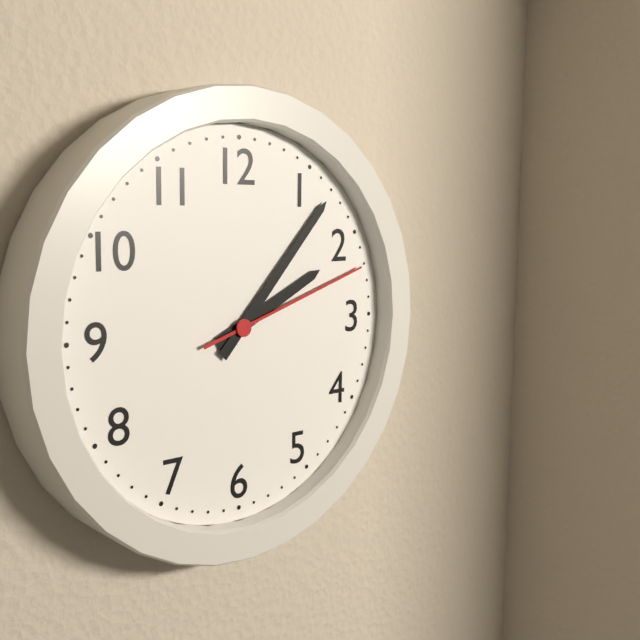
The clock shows h=2 m=7 s=12
